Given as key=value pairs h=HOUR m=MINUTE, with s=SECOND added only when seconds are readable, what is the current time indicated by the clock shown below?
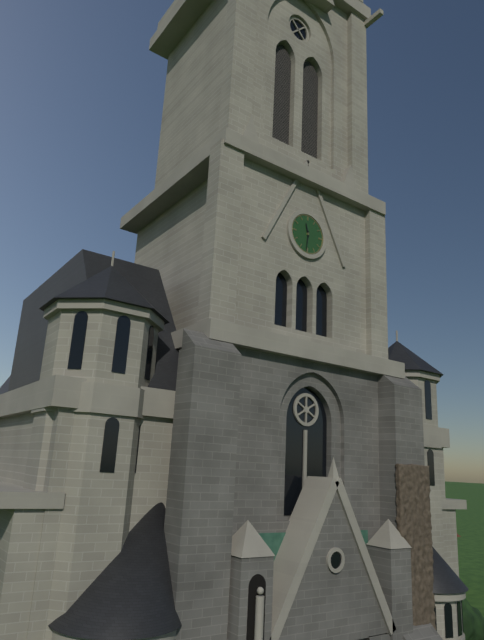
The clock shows h=11 m=31
